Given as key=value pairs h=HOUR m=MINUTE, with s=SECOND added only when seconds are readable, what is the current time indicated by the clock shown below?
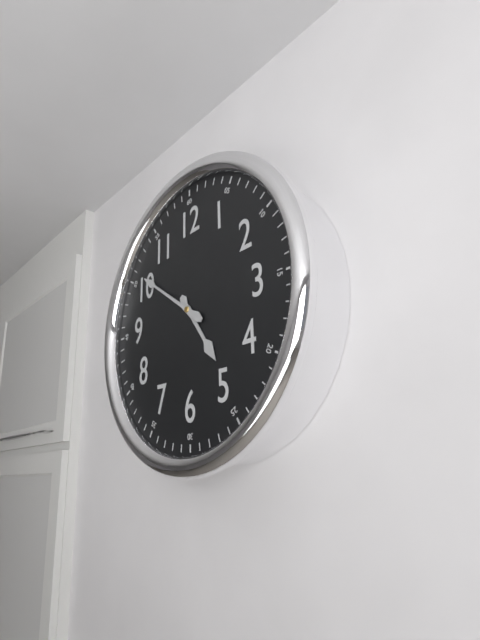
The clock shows h=4 m=51
